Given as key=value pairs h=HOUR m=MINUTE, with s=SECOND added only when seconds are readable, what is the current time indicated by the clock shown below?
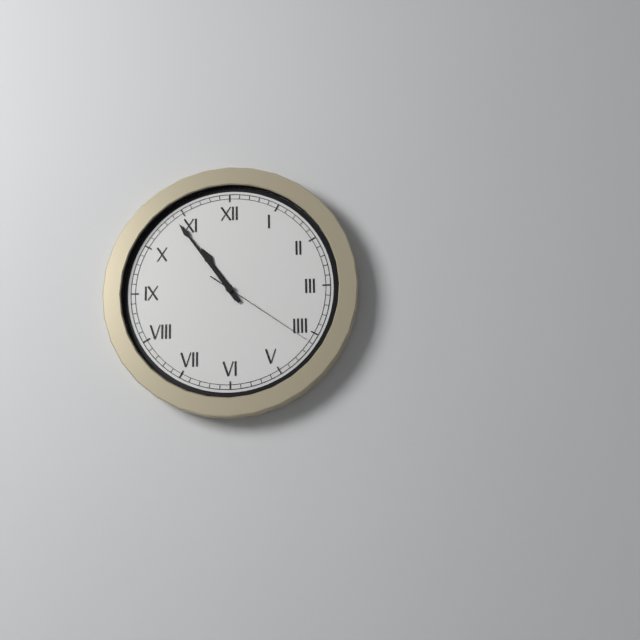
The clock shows h=10 m=54 s=21
